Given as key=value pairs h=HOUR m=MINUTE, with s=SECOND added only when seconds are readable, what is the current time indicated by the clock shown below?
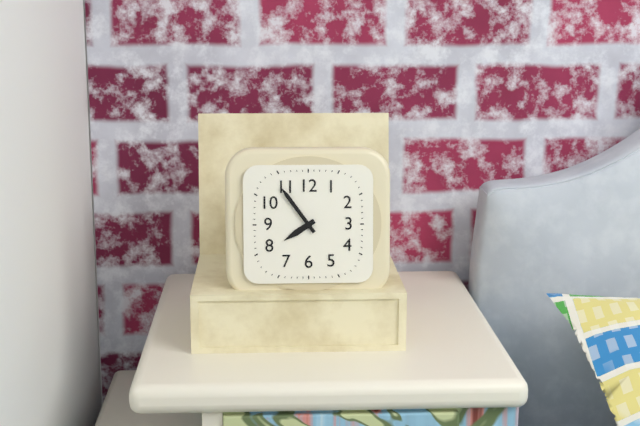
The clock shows h=7 m=54
